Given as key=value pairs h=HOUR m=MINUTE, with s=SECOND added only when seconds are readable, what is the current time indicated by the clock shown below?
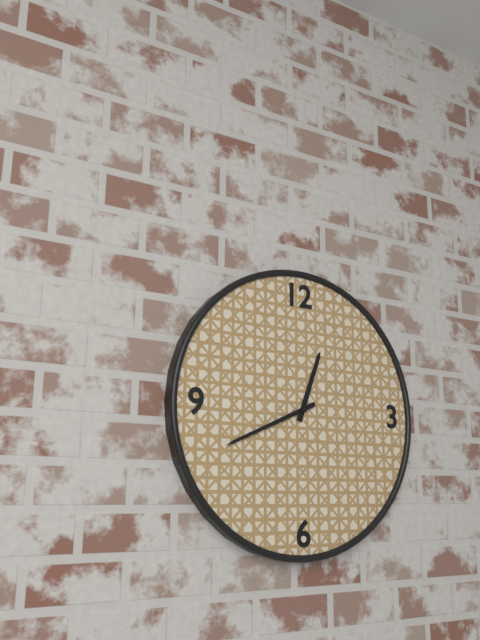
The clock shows h=12 m=41
